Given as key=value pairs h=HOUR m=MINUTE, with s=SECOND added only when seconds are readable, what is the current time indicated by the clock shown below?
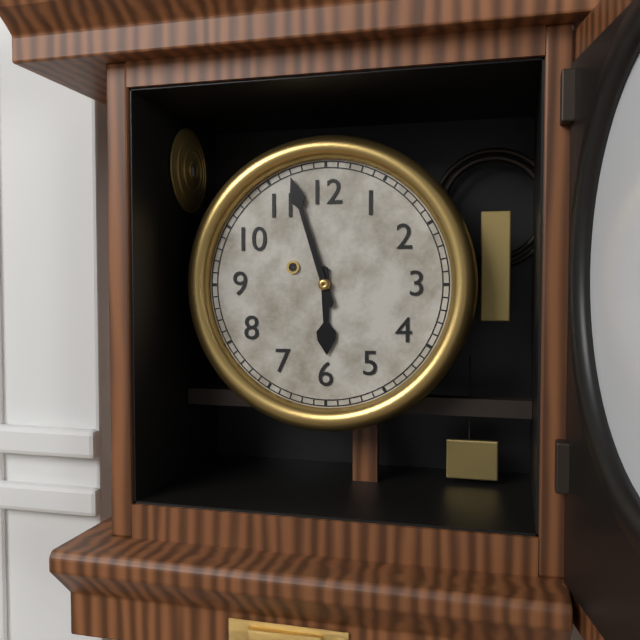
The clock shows h=5 m=57
